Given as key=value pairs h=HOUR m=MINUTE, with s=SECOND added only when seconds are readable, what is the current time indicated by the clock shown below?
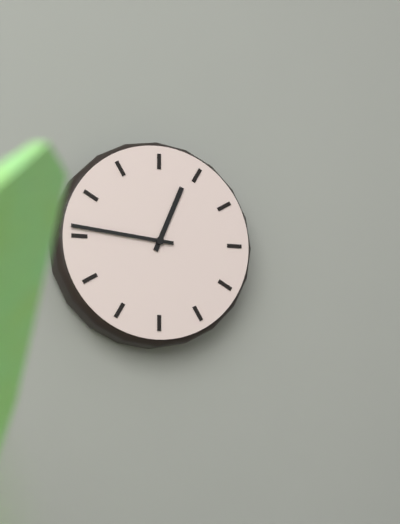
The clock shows h=12 m=46
